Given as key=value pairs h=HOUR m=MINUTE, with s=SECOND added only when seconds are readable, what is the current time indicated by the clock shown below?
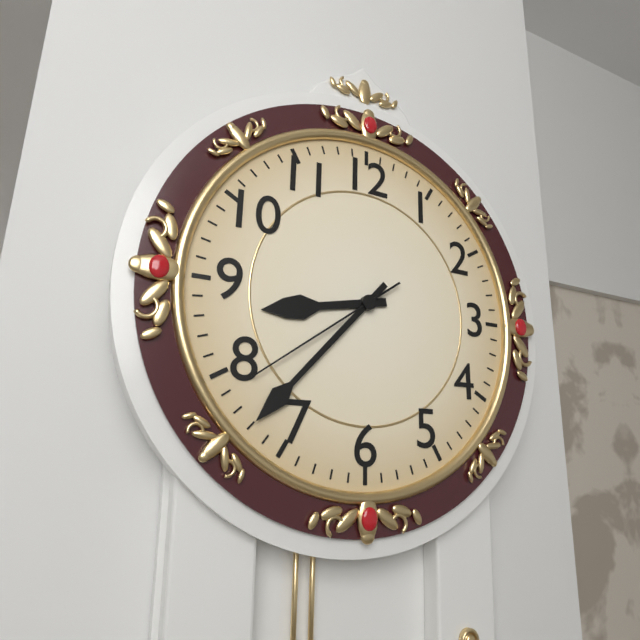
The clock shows h=8 m=37 s=39
